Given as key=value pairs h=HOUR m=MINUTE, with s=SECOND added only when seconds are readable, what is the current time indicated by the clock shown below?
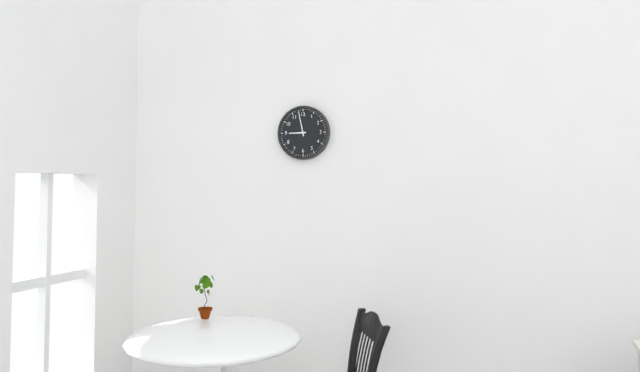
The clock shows h=8 m=58
